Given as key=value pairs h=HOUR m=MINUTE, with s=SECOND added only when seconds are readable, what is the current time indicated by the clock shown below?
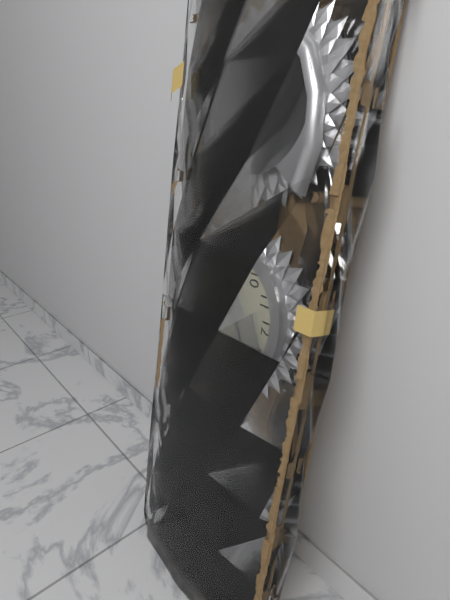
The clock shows h=5 m=9
